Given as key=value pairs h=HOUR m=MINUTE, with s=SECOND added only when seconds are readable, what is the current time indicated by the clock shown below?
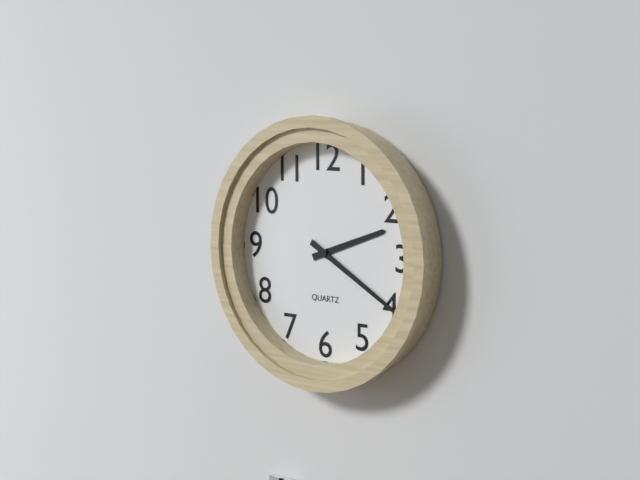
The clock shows h=2 m=20
